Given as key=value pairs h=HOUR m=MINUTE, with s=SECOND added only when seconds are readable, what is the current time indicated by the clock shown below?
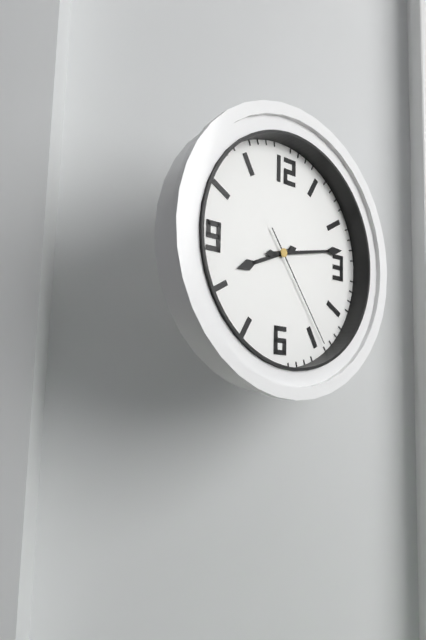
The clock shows h=8 m=13 s=24
